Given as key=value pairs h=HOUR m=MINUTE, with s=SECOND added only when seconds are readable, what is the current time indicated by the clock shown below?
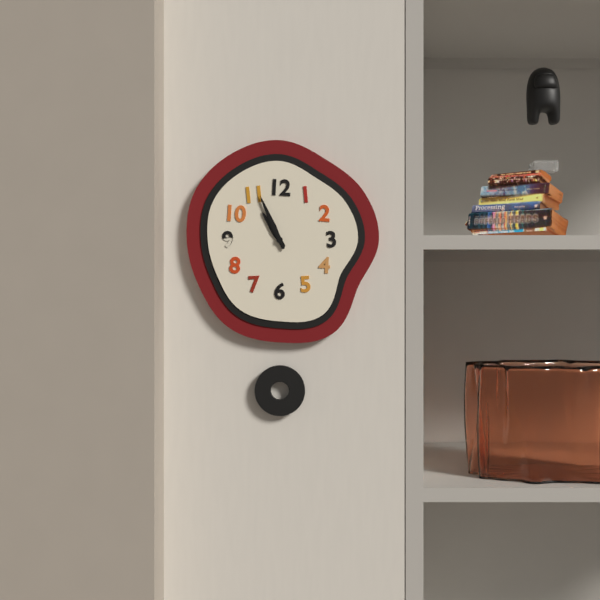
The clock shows h=10 m=56
